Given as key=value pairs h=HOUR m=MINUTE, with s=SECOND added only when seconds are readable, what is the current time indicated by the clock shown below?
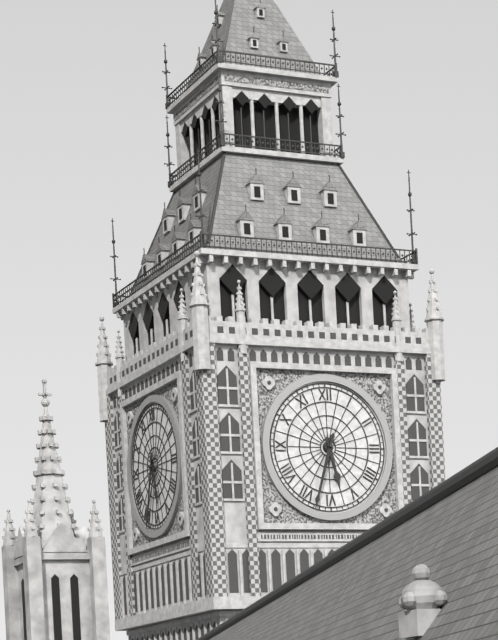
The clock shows h=5 m=33
